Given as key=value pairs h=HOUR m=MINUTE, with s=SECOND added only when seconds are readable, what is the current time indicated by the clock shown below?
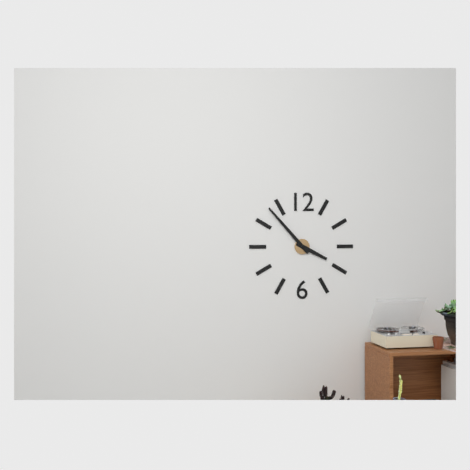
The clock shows h=3 m=53
